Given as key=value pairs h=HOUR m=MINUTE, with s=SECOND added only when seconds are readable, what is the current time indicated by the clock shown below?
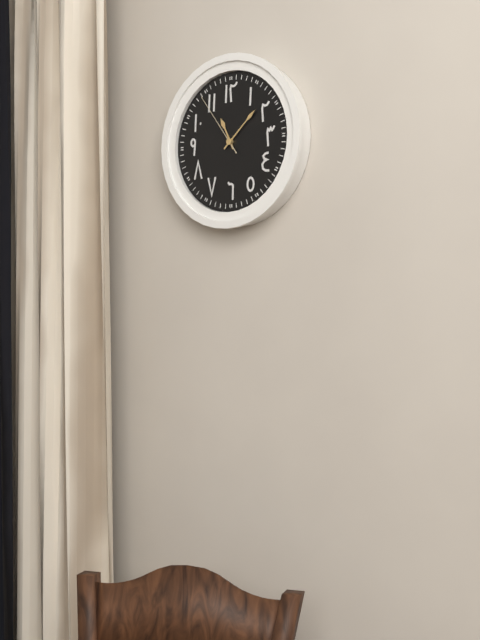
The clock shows h=11 m=8 s=54
